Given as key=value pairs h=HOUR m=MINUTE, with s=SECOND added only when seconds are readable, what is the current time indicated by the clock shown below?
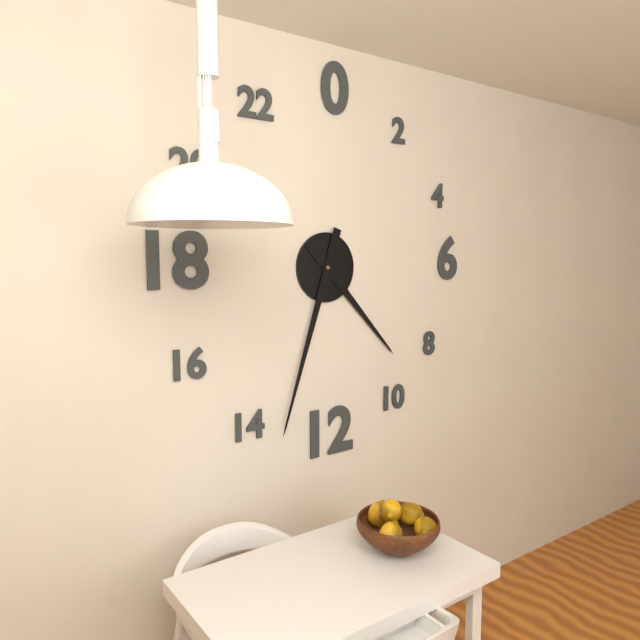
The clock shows h=4 m=33
